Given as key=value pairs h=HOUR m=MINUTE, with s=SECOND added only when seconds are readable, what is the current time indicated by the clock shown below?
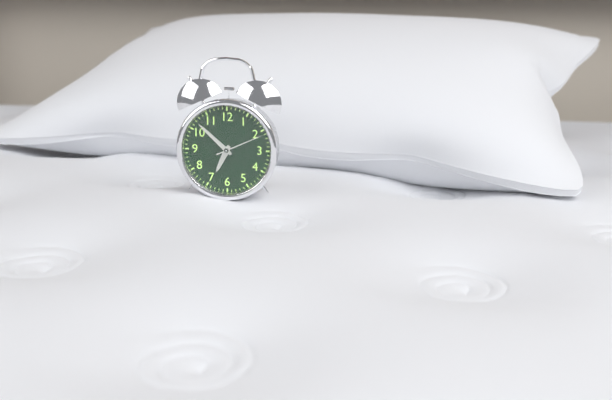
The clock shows h=6 m=52 s=11
